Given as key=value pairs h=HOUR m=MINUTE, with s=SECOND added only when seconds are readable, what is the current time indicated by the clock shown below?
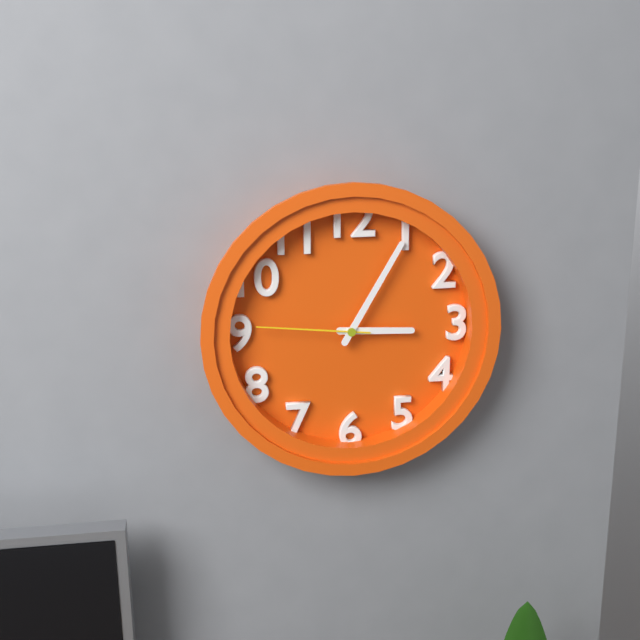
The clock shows h=3 m=5 s=46
